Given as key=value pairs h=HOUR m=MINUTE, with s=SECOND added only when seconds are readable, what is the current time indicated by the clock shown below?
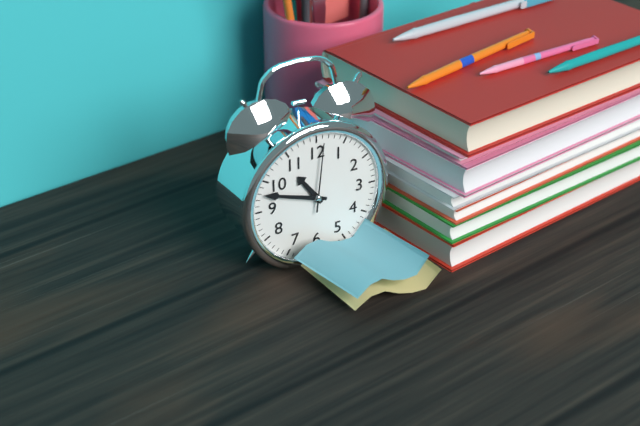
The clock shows h=10 m=48 s=1
